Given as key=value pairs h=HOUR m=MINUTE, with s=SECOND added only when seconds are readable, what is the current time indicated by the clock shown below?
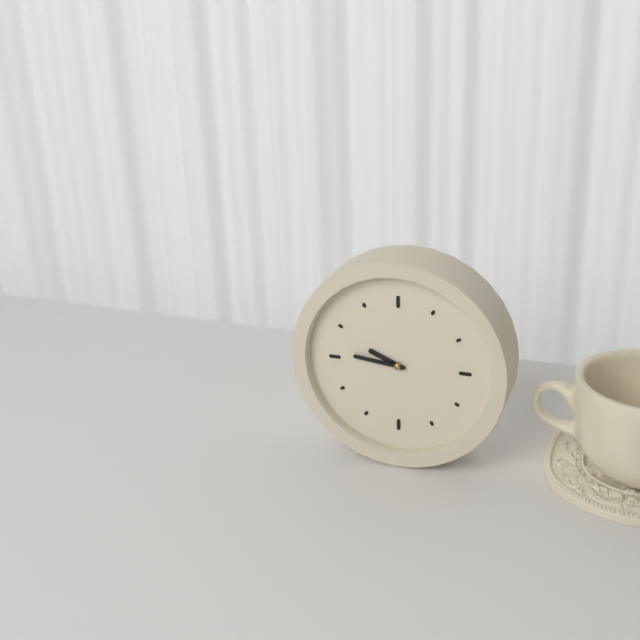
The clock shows h=9 m=46
